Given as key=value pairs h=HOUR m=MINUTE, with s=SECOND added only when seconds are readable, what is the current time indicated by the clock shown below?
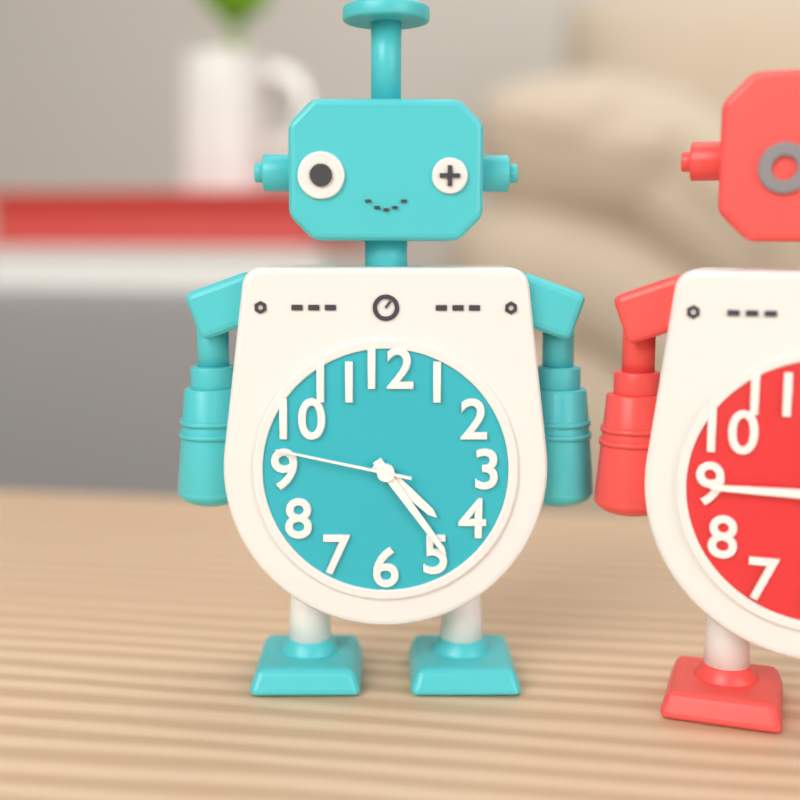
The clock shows h=4 m=24 s=47
